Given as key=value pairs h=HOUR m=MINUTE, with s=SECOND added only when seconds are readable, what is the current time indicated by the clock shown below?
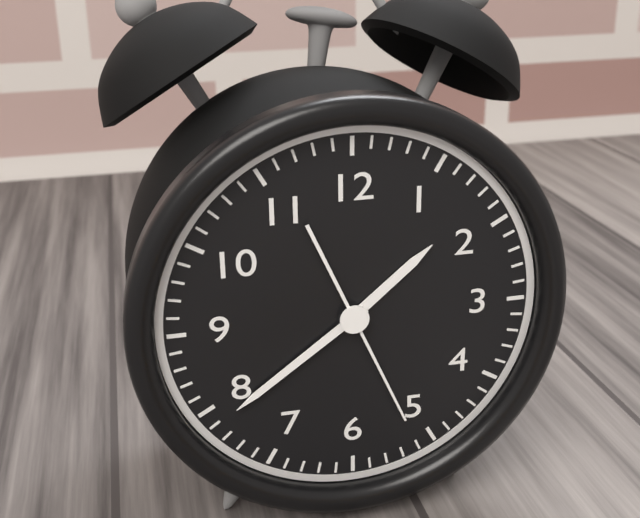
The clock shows h=1 m=39 s=26
